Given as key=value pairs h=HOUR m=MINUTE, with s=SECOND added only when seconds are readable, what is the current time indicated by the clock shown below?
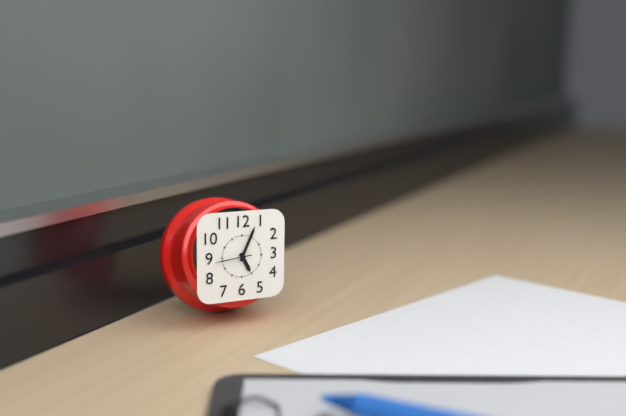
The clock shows h=5 m=4
